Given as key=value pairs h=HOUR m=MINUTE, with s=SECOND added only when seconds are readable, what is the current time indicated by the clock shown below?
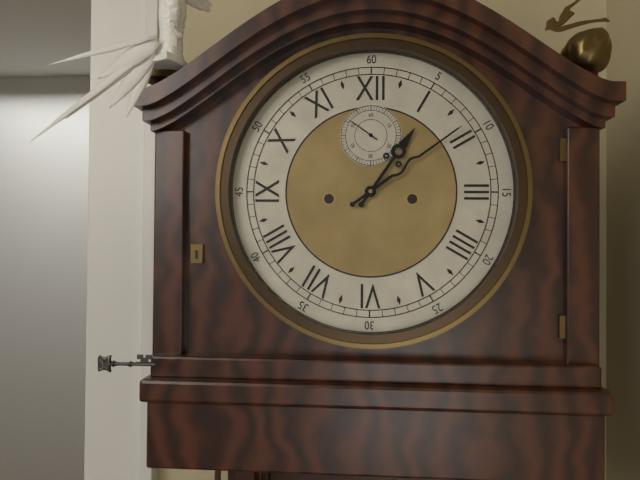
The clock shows h=1 m=9
